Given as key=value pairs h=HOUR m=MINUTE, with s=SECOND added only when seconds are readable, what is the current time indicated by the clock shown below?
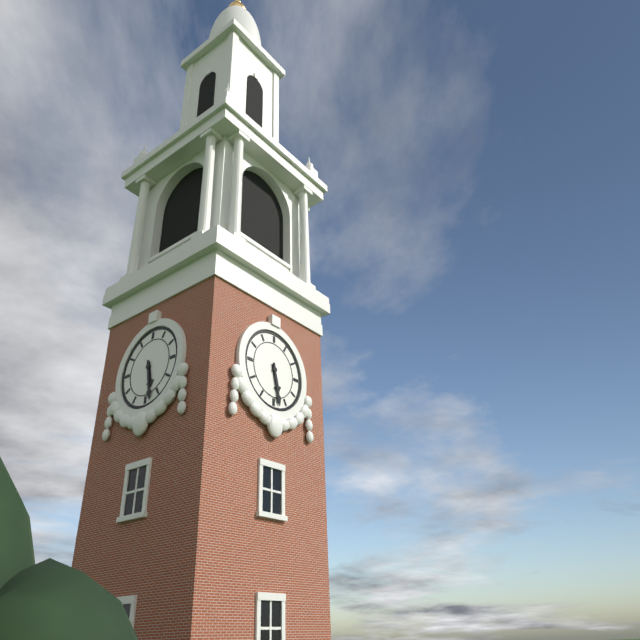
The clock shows h=5 m=28
